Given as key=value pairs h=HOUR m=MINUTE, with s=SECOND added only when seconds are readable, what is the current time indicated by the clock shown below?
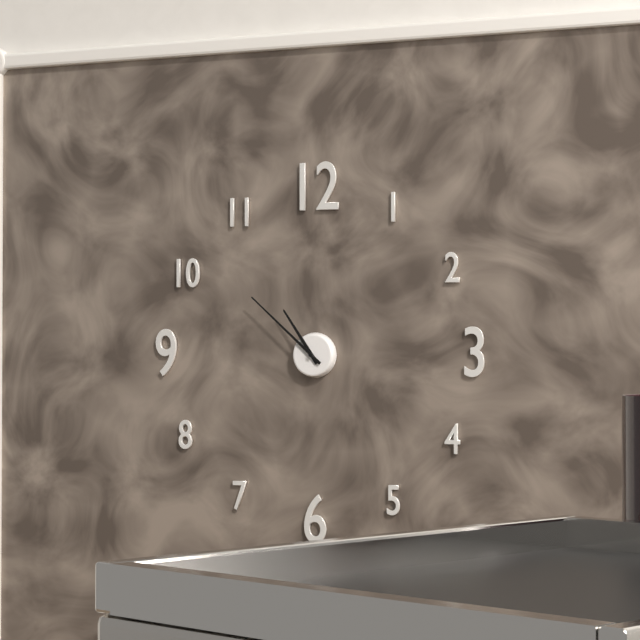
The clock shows h=10 m=52
